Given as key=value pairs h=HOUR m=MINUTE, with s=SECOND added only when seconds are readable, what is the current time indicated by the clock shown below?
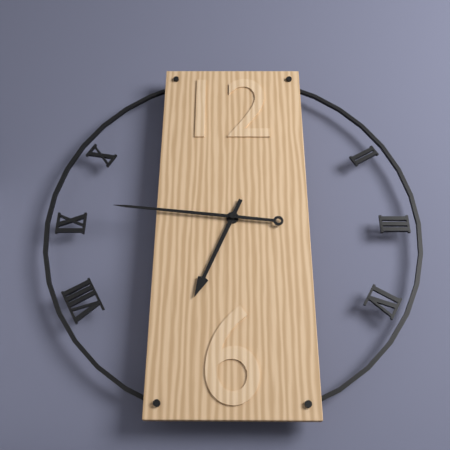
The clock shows h=6 m=46
